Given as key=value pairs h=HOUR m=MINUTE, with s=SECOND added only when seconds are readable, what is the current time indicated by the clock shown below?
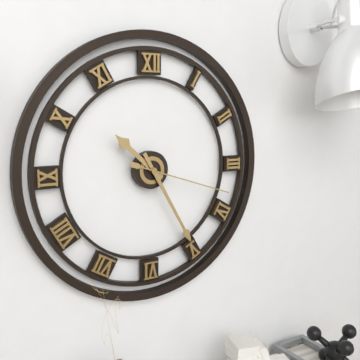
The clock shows h=10 m=25 s=18
